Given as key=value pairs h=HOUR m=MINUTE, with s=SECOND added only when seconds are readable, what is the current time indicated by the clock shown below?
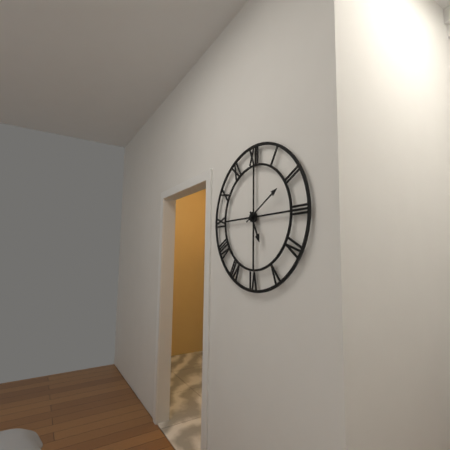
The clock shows h=5 m=10
